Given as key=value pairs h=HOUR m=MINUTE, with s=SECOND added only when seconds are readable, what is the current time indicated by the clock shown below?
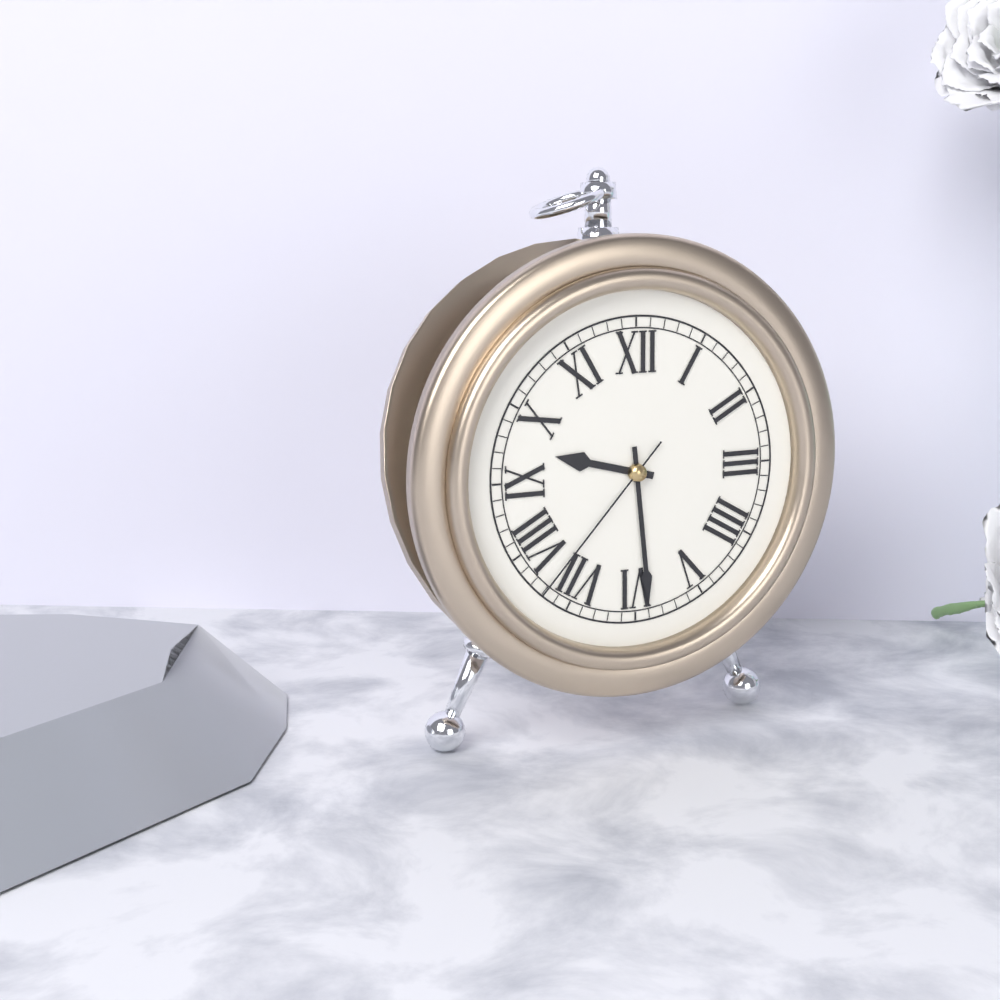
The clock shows h=9 m=29 s=37
